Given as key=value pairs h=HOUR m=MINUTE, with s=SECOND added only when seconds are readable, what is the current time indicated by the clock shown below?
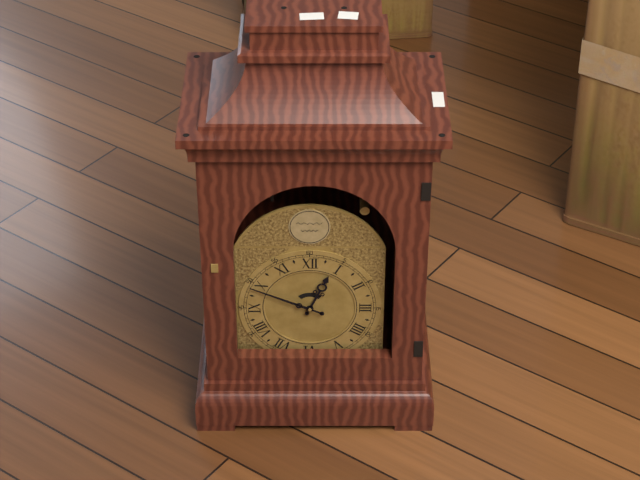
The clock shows h=12 m=49
